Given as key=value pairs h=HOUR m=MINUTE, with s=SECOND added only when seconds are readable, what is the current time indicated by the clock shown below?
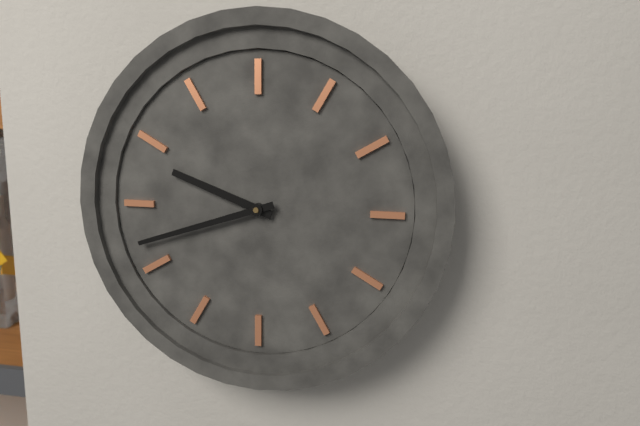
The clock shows h=9 m=42
